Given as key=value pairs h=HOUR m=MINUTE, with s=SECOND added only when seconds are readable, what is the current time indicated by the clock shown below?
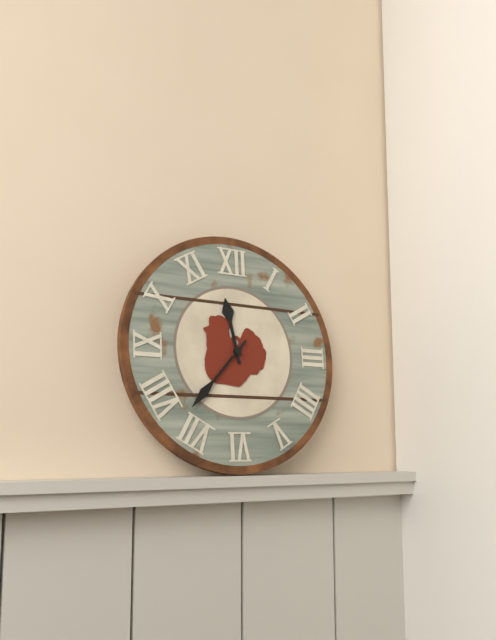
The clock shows h=11 m=37
